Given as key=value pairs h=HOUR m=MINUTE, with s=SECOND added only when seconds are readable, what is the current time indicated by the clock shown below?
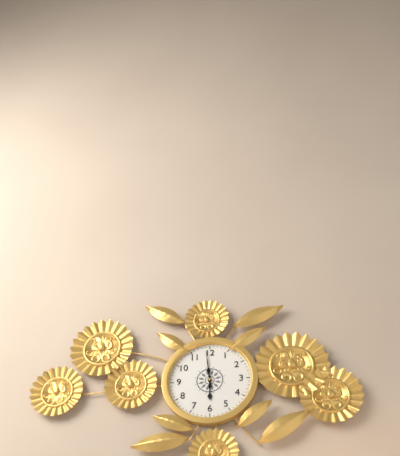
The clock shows h=5 m=59
